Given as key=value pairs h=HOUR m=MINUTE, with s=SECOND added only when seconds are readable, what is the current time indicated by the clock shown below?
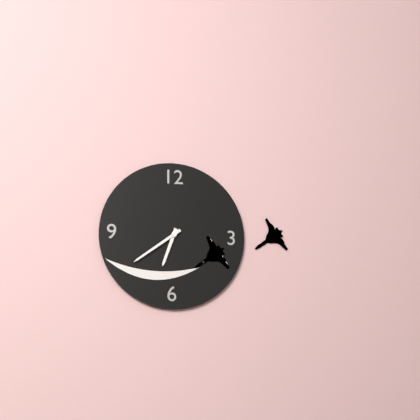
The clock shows h=6 m=39
